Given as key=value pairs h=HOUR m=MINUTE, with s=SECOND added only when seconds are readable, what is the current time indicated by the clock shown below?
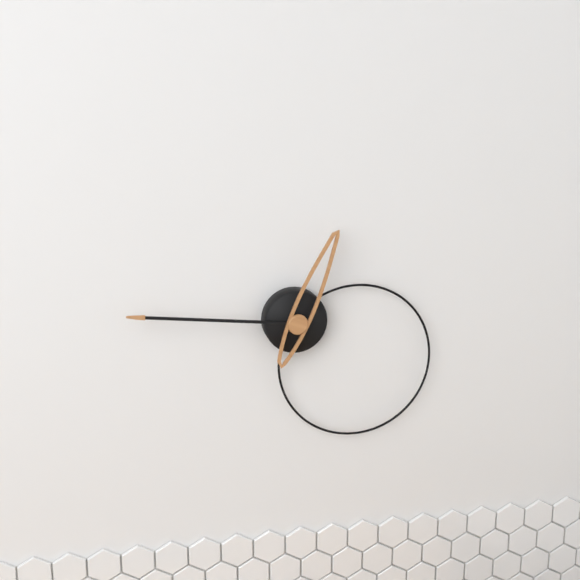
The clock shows h=12 m=46
